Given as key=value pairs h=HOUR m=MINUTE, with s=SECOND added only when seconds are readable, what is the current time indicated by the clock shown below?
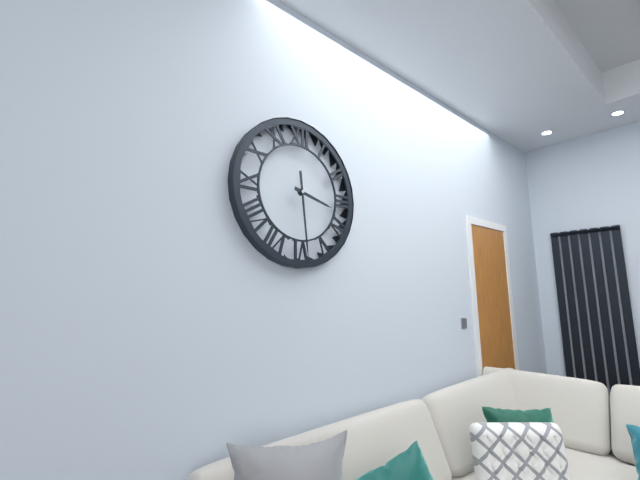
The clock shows h=3 m=29
